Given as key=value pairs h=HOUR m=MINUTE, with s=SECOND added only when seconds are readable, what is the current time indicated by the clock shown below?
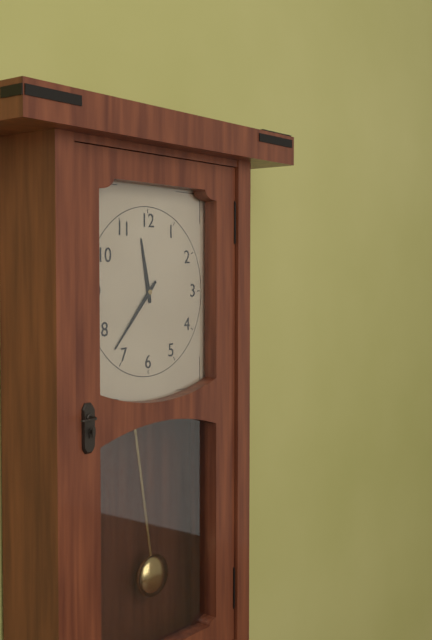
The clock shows h=11 m=37
